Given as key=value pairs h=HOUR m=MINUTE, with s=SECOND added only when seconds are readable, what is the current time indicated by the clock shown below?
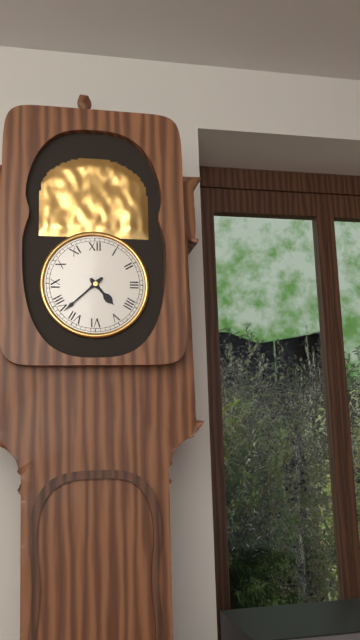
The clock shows h=4 m=38
